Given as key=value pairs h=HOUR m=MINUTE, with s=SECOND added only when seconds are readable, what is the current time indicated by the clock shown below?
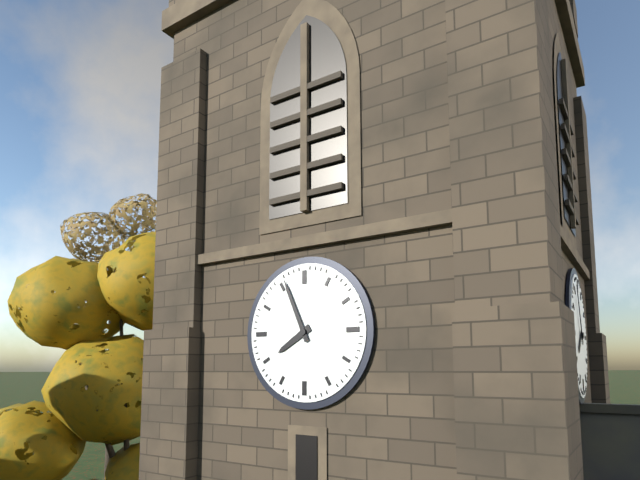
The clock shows h=7 m=56
